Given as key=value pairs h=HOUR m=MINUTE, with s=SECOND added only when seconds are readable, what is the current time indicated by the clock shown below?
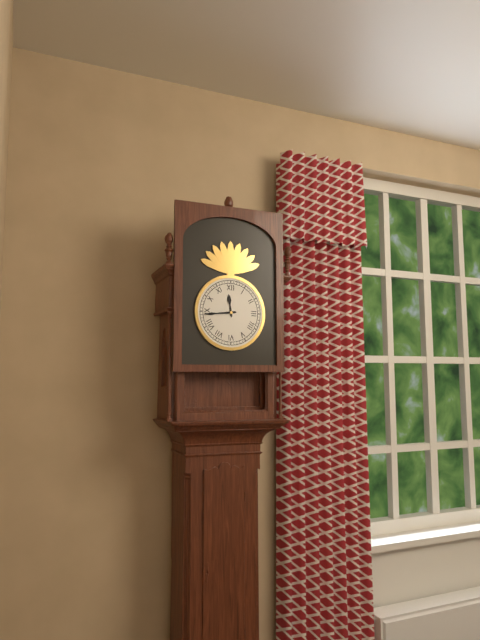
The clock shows h=11 m=44
